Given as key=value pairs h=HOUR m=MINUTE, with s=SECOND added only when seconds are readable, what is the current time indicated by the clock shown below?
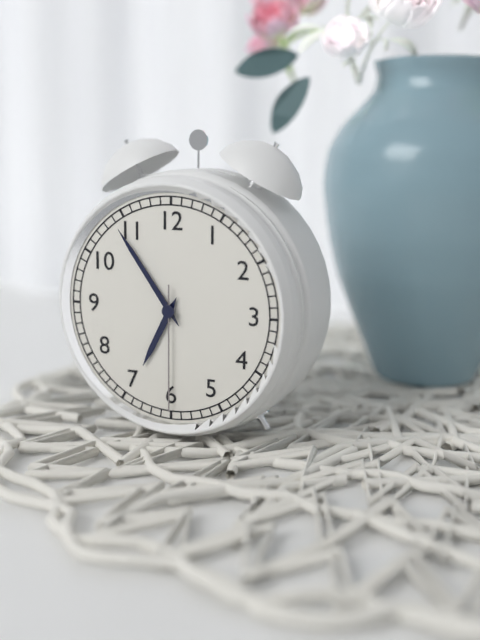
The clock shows h=6 m=54 s=30
